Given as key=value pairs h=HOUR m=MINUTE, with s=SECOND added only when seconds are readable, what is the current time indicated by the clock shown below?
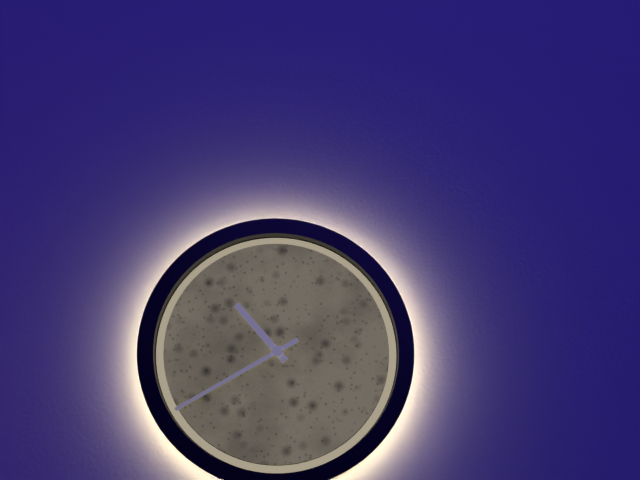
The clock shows h=10 m=40
